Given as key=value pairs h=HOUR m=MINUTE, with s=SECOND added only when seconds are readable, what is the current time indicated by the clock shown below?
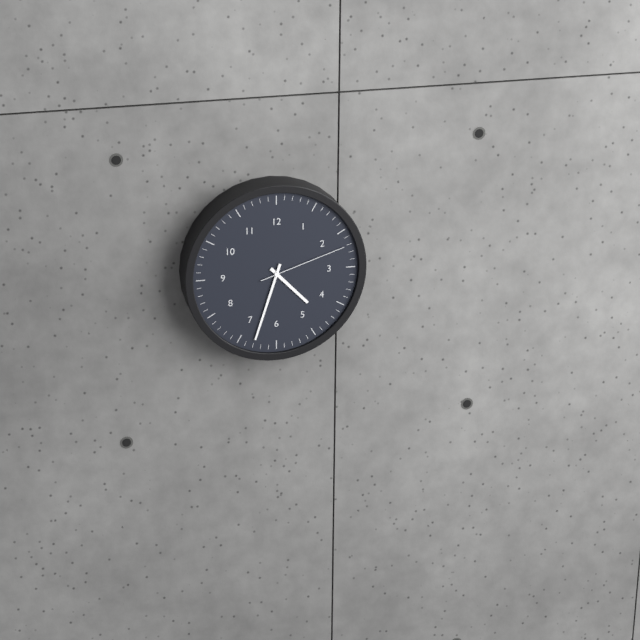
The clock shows h=4 m=33 s=12
